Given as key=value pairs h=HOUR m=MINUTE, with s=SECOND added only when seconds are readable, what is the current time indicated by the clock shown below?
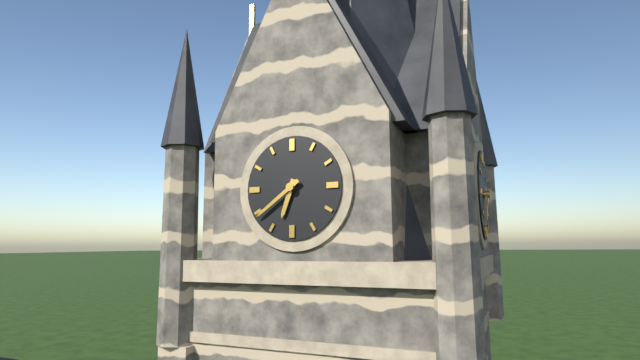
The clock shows h=6 m=39
